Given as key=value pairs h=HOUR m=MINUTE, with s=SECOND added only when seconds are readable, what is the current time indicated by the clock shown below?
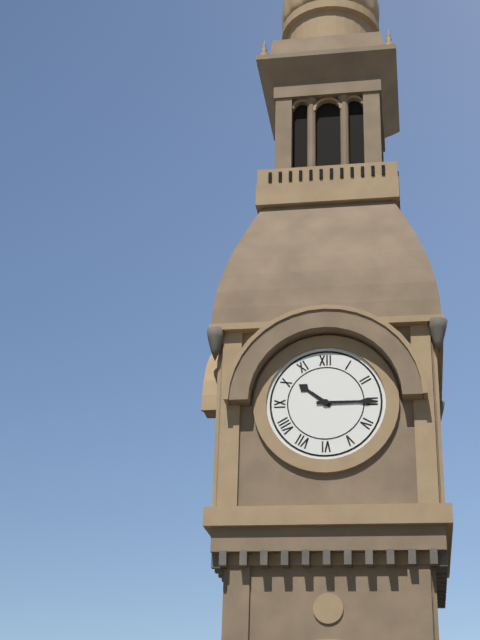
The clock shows h=10 m=15
